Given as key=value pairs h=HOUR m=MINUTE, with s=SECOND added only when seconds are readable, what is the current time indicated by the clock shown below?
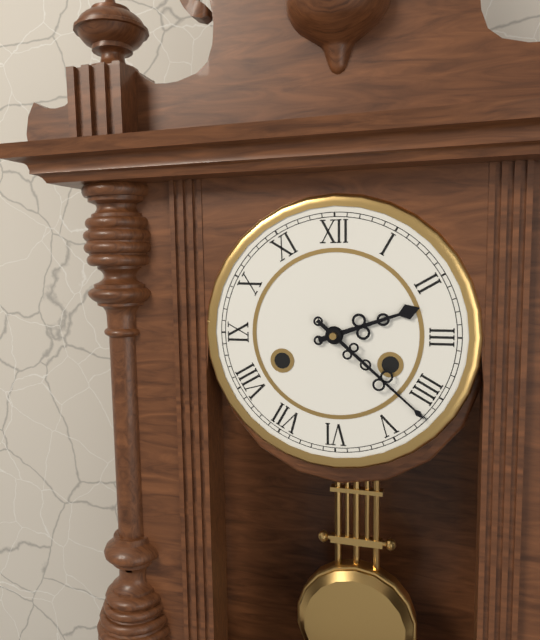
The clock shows h=2 m=22
